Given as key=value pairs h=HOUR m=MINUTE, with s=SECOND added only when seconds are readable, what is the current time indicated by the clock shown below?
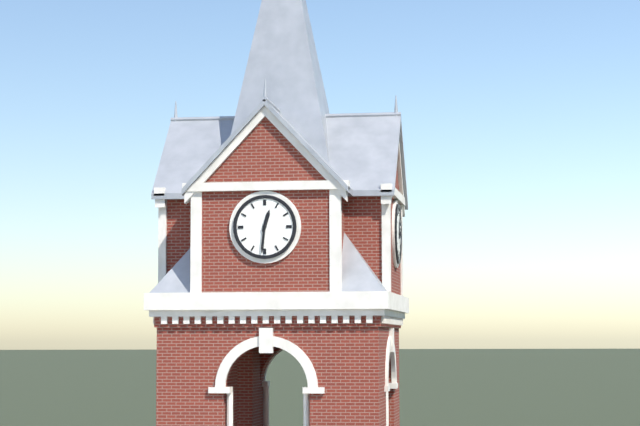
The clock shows h=12 m=31
